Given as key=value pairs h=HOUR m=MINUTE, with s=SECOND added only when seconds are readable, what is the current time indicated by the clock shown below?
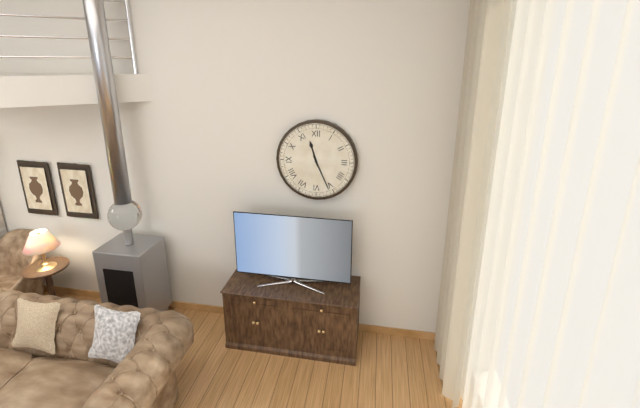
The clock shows h=11 m=26
